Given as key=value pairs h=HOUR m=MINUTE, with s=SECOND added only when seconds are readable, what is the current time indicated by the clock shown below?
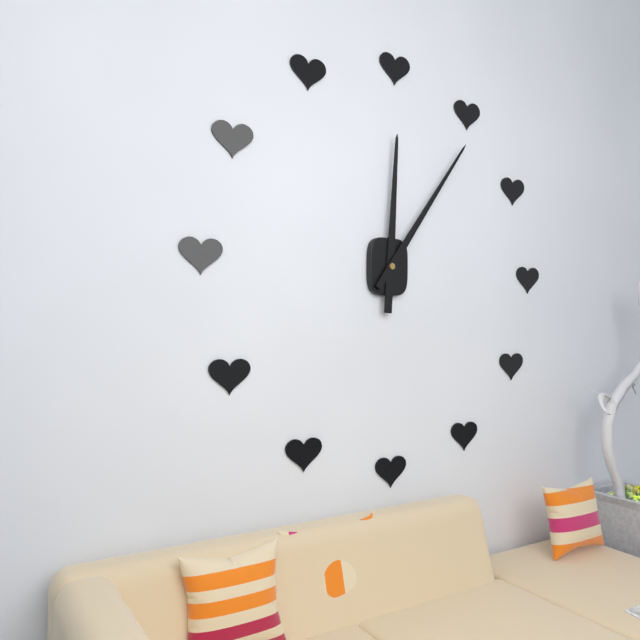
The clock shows h=12 m=6
